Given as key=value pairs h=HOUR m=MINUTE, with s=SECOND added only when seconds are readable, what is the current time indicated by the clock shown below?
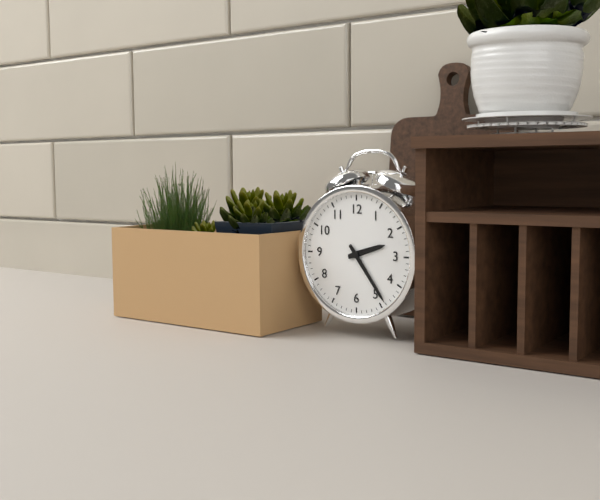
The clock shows h=2 m=24
